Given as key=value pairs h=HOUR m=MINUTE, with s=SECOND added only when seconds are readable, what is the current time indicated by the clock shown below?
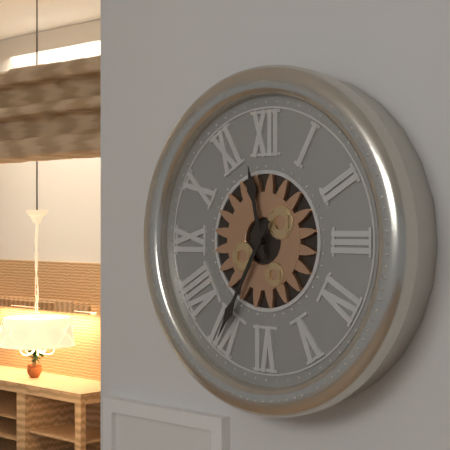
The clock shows h=11 m=35
